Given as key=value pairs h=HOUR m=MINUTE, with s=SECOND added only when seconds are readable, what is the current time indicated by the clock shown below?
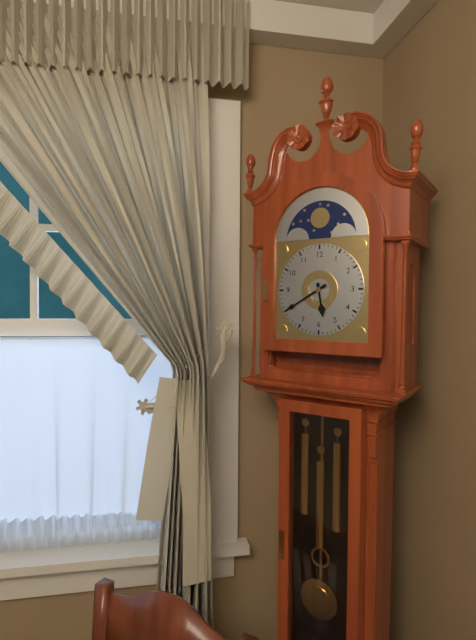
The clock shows h=5 m=40
